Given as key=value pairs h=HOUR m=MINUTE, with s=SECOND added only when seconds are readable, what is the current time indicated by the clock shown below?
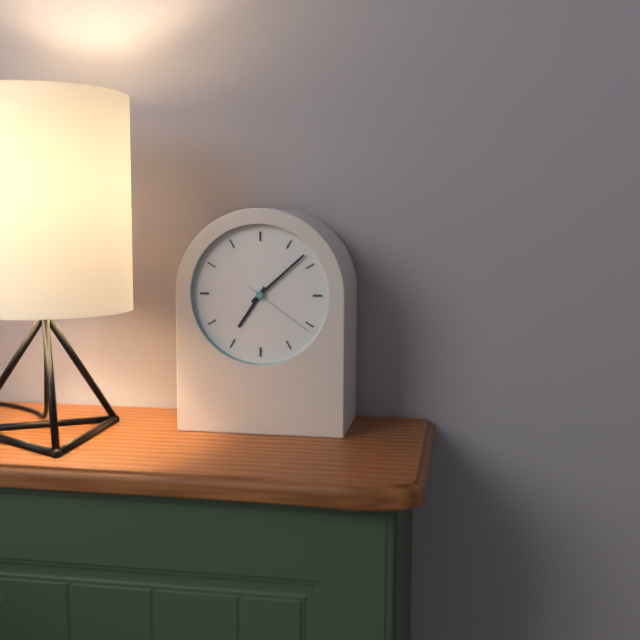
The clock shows h=7 m=8 s=21
